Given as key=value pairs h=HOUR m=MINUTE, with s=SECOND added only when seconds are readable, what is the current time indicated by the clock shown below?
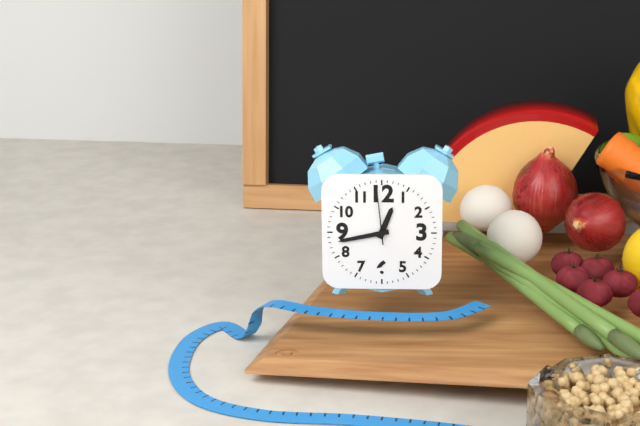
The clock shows h=12 m=43 s=59
